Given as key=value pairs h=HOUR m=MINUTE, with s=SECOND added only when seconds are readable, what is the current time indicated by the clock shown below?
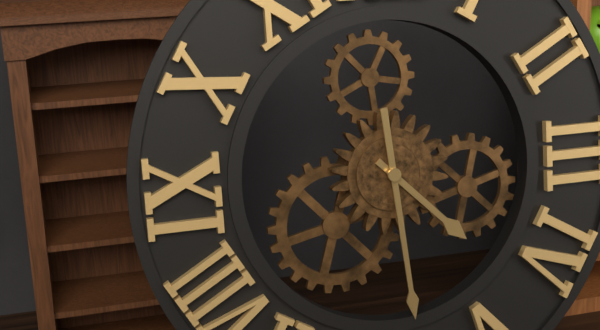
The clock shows h=4 m=29
